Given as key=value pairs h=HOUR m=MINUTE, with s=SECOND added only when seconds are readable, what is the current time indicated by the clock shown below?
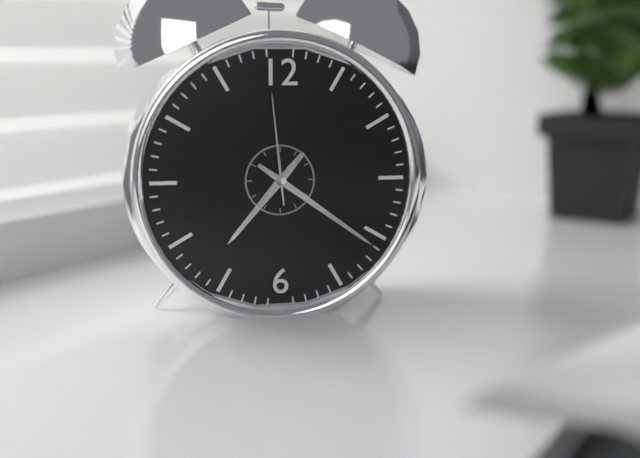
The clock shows h=7 m=21 s=59
